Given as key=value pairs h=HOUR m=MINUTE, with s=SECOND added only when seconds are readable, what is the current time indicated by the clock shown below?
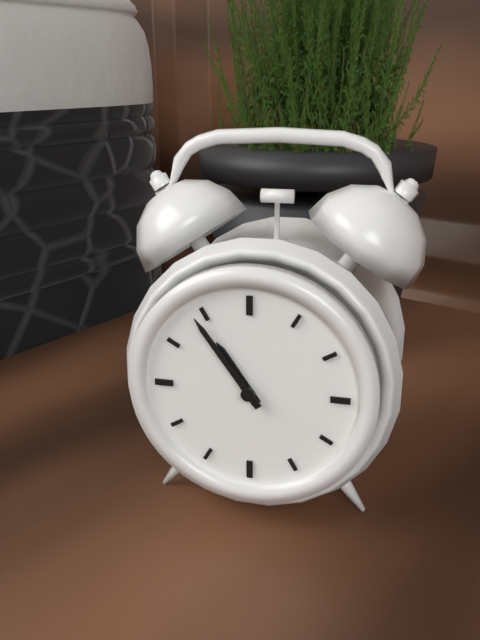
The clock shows h=10 m=54
